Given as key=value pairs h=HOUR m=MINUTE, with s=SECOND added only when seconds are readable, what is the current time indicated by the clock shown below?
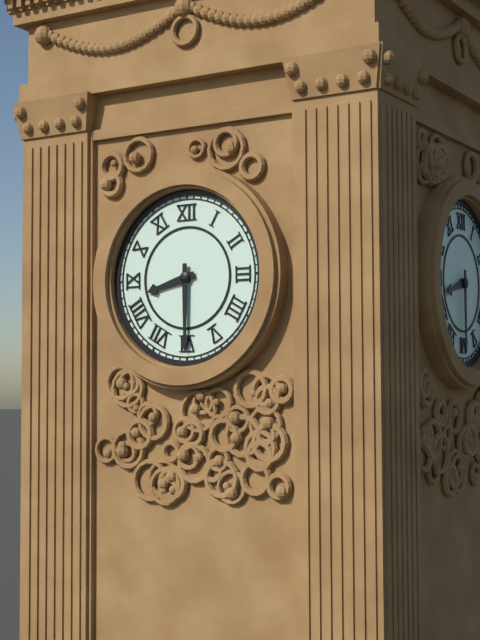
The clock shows h=8 m=30
